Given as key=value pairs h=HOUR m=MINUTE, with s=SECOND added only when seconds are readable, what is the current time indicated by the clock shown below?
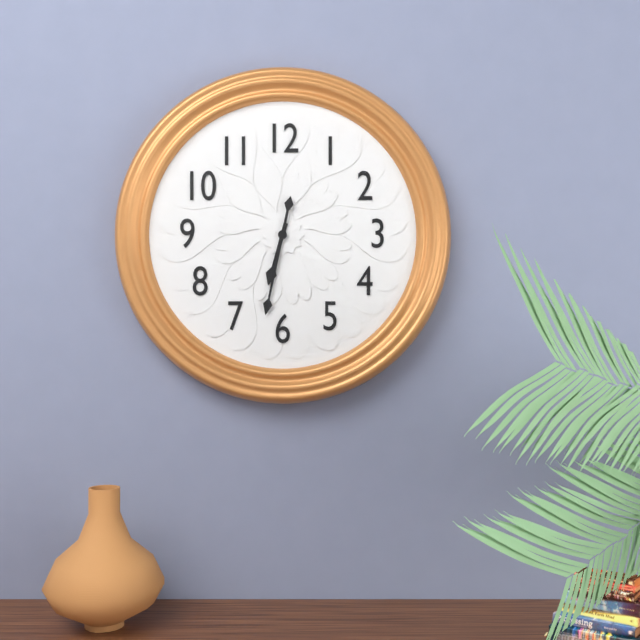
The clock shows h=6 m=32
